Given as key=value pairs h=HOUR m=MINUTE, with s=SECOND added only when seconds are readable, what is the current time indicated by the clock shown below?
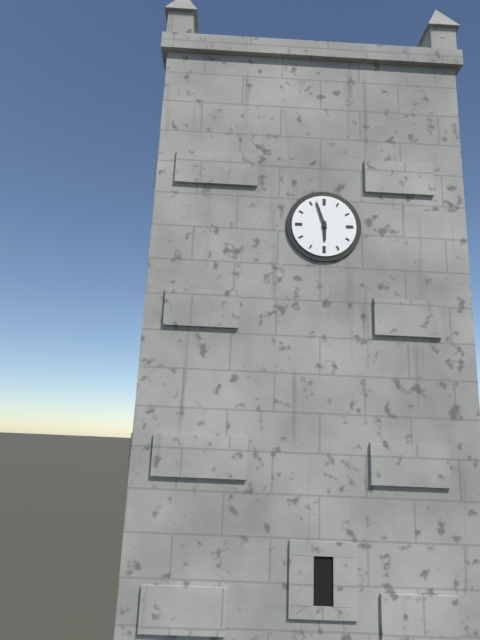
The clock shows h=5 m=57
